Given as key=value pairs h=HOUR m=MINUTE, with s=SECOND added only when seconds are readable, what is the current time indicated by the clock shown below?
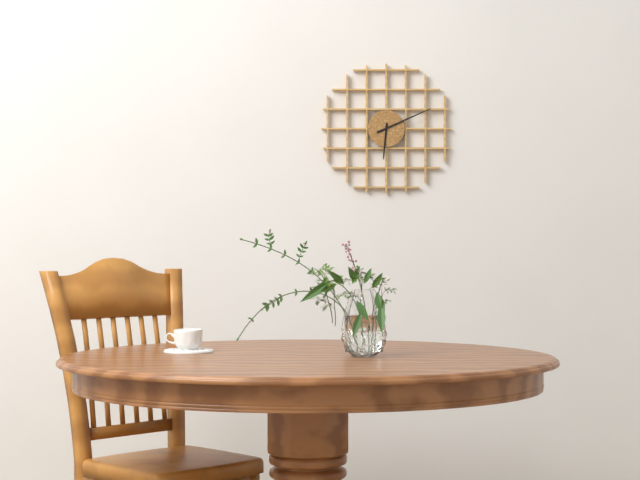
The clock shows h=6 m=11
